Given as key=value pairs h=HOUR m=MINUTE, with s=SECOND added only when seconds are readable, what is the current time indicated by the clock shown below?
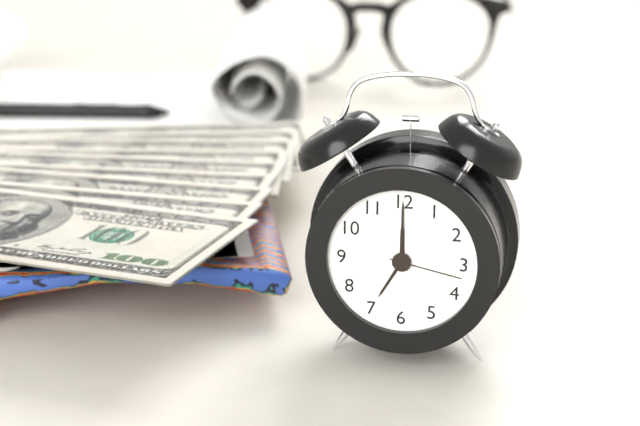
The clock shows h=12 m=0 s=17
